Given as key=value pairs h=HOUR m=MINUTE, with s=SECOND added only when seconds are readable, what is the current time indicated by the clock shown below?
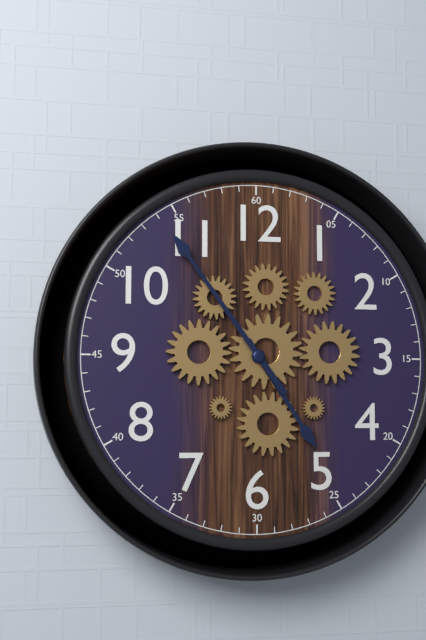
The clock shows h=4 m=54
